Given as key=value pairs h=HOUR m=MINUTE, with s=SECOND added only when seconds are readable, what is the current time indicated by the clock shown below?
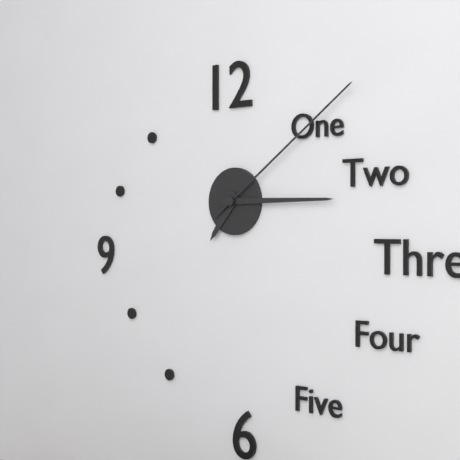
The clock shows h=7 m=15 s=9
